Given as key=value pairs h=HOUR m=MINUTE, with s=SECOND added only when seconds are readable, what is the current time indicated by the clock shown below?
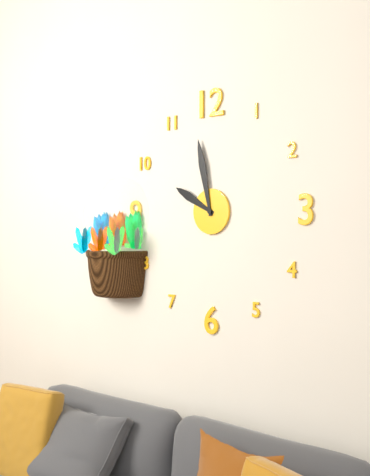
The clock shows h=9 m=58
